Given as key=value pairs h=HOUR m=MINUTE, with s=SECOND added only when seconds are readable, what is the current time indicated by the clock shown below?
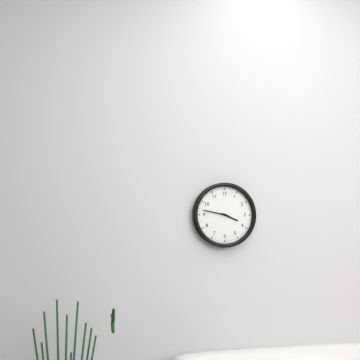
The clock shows h=3 m=47
